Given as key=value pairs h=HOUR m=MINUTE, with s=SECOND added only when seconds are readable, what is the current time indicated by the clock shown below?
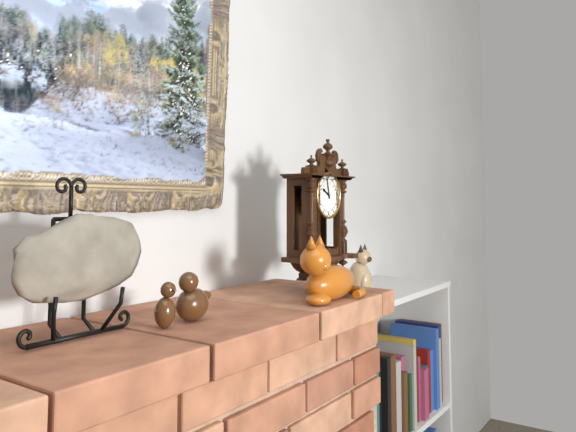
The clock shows h=9 m=58
